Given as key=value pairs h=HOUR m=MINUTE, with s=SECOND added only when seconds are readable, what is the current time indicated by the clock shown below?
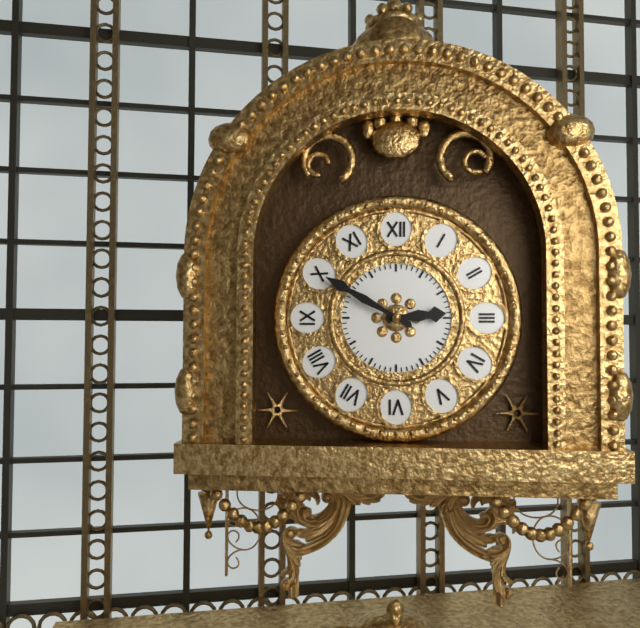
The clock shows h=2 m=50
